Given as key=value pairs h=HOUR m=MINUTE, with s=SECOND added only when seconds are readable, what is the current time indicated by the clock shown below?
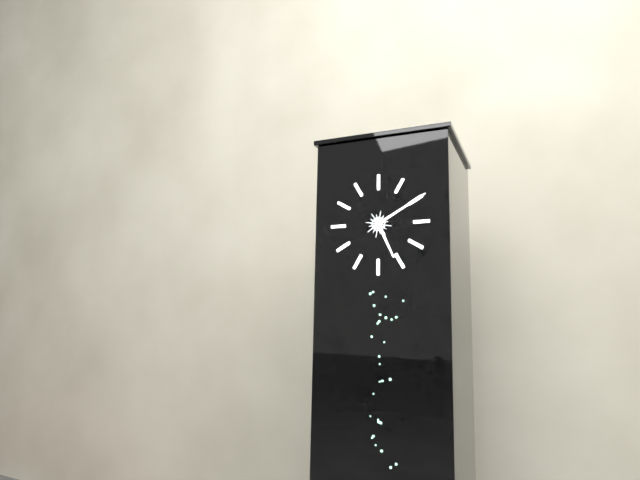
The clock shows h=5 m=10
